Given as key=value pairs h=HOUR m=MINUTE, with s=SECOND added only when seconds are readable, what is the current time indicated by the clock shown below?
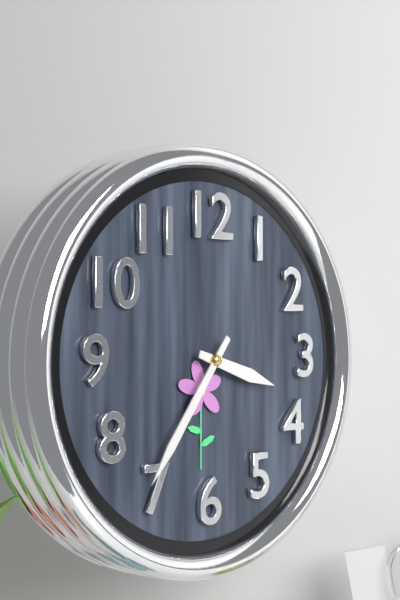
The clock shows h=3 m=36
